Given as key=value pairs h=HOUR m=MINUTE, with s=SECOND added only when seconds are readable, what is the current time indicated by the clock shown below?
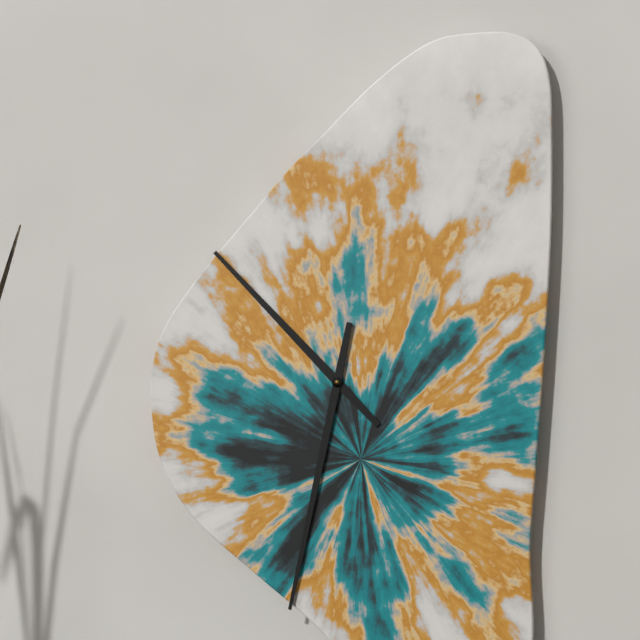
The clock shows h=10 m=32
